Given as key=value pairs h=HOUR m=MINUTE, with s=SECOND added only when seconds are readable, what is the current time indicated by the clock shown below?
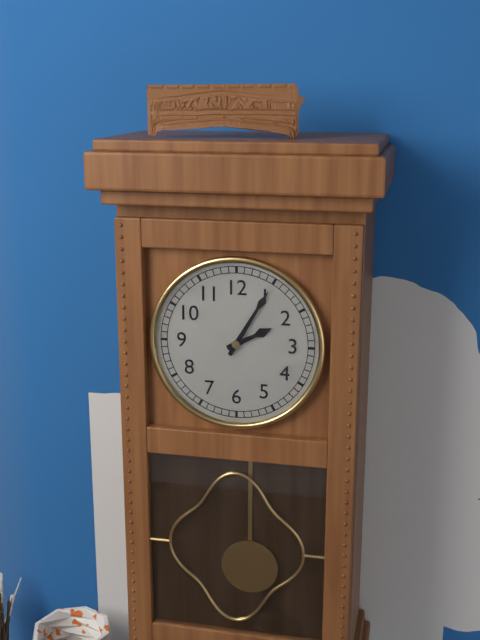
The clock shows h=2 m=5
